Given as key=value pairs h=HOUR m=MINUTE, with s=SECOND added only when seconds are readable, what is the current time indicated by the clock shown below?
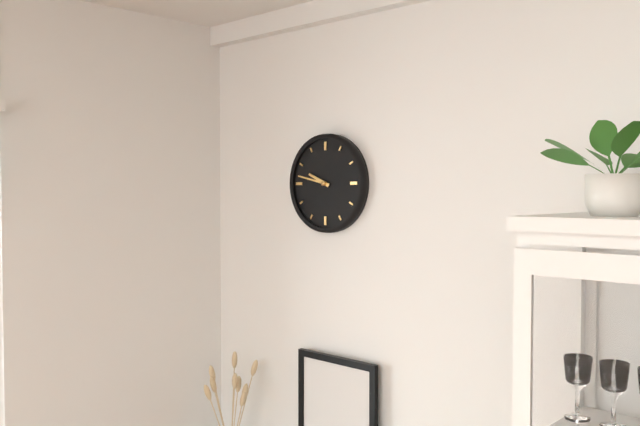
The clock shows h=9 m=47
